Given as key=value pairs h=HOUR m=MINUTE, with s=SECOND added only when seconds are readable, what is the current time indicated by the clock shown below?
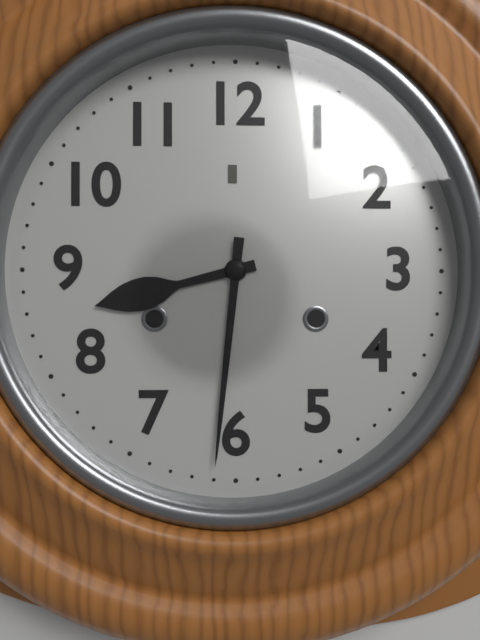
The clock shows h=8 m=31
